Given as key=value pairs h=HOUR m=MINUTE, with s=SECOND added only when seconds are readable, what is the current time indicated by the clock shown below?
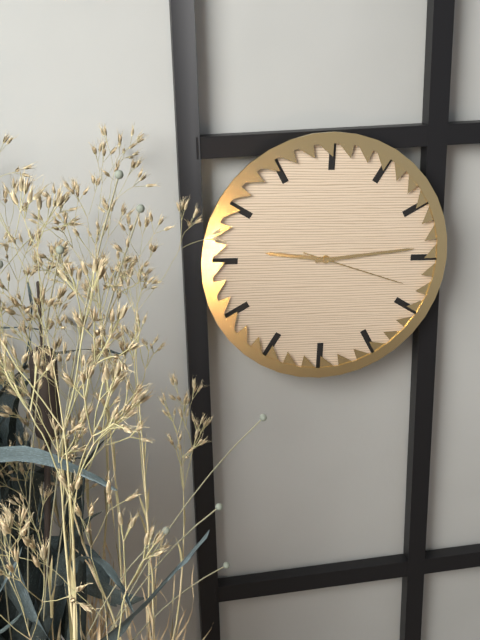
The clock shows h=9 m=14 s=18
